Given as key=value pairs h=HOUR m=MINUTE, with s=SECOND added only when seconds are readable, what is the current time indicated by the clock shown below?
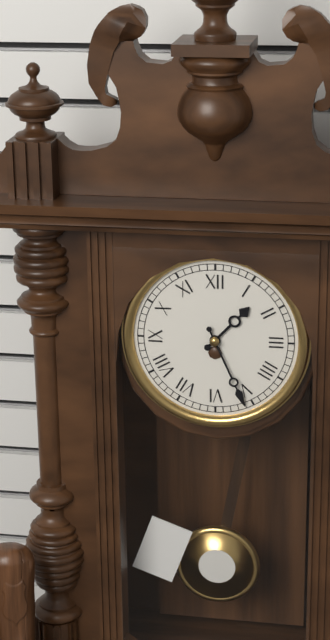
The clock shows h=1 m=26
